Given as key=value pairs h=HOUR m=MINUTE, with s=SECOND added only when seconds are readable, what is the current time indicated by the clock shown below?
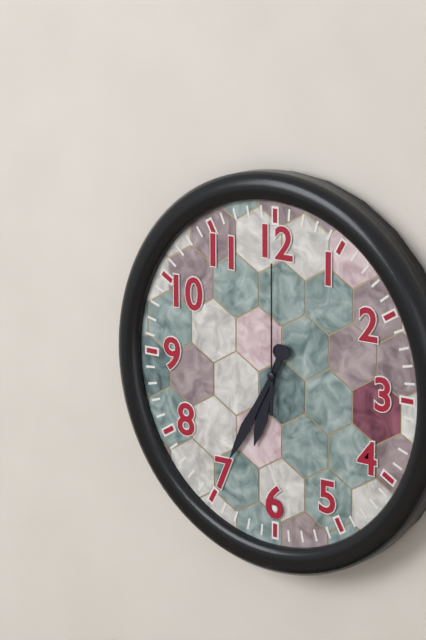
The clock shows h=6 m=35 s=0
